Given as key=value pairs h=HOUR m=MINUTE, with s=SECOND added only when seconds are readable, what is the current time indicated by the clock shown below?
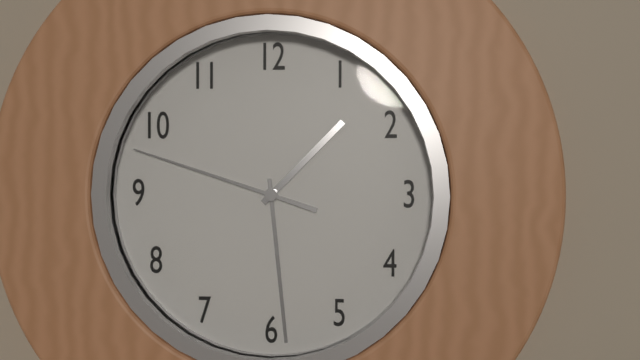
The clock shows h=1 m=29 s=48
